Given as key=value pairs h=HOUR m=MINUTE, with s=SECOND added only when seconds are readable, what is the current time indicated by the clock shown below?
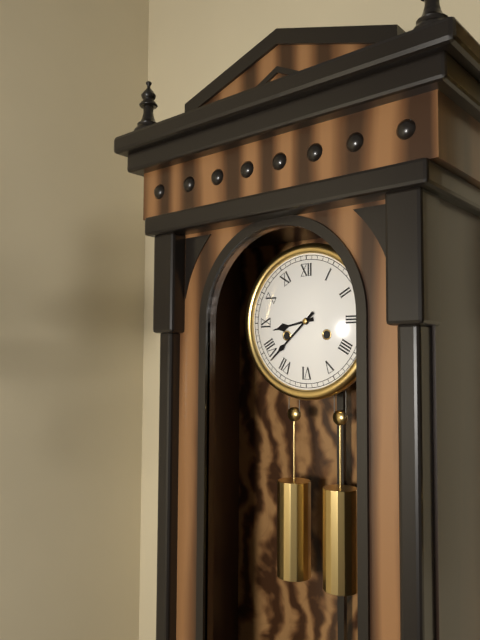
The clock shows h=8 m=38
